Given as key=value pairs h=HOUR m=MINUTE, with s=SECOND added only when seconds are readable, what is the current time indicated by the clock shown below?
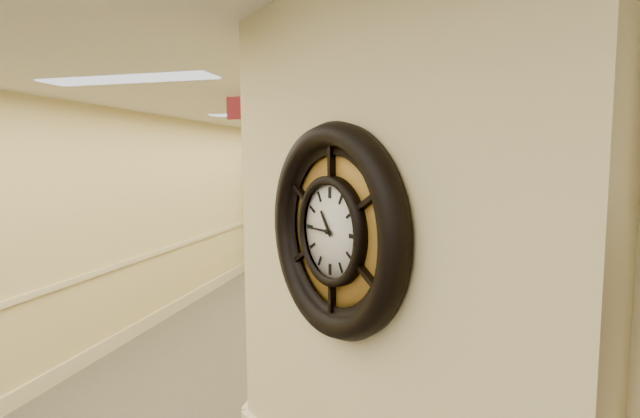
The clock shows h=10 m=45
